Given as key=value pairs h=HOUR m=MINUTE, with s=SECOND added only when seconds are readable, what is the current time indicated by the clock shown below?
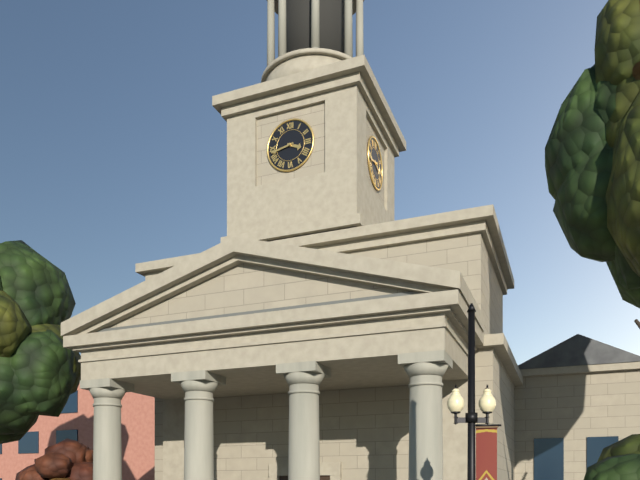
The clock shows h=3 m=43
